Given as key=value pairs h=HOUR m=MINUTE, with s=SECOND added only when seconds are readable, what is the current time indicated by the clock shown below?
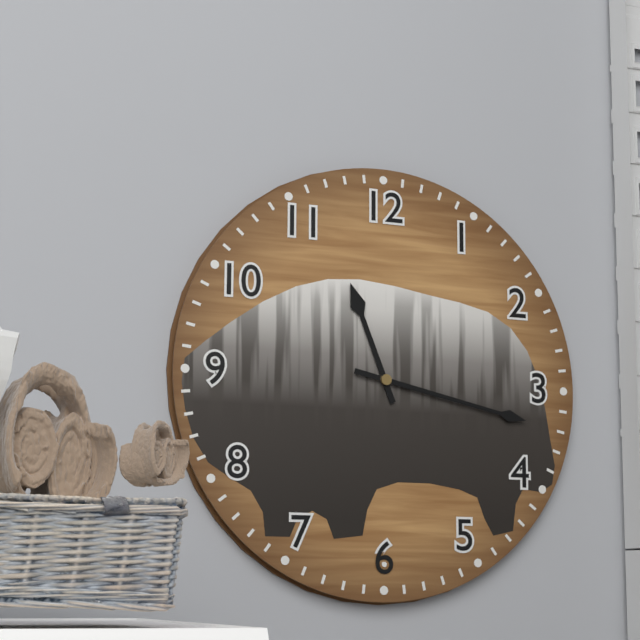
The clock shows h=11 m=17
